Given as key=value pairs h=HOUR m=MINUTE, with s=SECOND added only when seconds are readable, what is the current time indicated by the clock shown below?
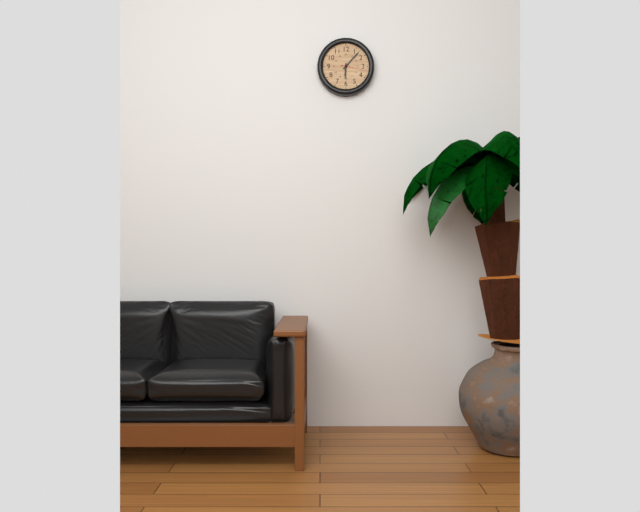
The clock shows h=6 m=7
